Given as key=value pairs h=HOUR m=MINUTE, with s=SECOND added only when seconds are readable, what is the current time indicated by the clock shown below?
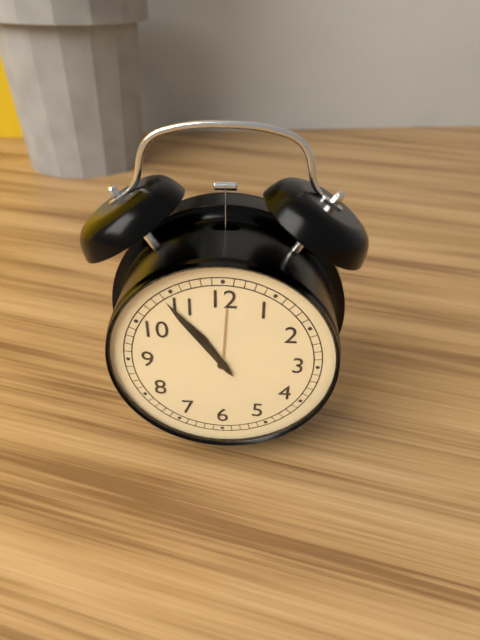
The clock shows h=10 m=54
